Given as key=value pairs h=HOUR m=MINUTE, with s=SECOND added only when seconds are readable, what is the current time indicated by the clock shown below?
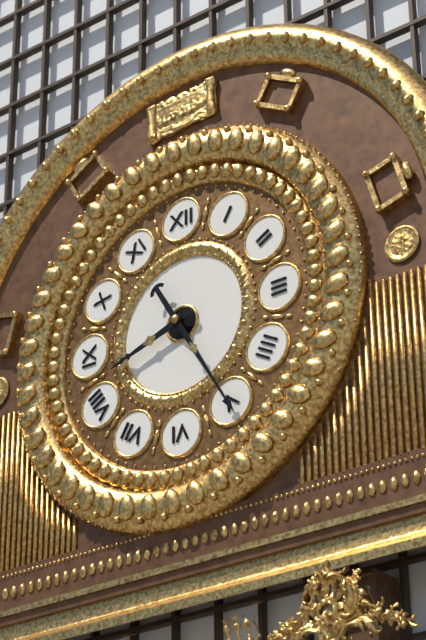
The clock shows h=8 m=25
